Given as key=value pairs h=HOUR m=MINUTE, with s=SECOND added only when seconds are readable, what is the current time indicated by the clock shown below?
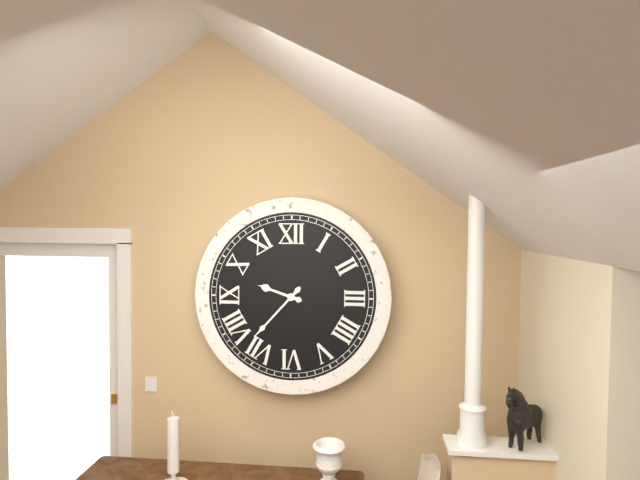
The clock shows h=9 m=37
